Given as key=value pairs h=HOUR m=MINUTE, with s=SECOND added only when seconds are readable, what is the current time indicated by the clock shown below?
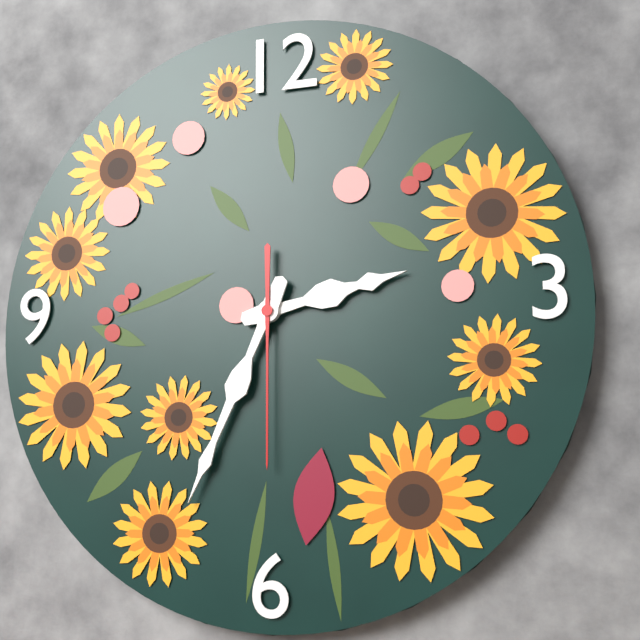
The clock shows h=2 m=34 s=30
